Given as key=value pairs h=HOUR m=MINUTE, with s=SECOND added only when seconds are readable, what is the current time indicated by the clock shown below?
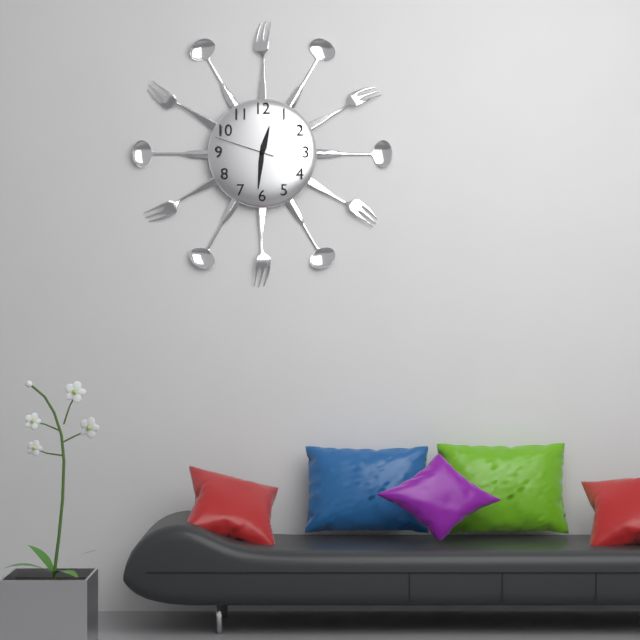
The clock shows h=12 m=31 s=48
